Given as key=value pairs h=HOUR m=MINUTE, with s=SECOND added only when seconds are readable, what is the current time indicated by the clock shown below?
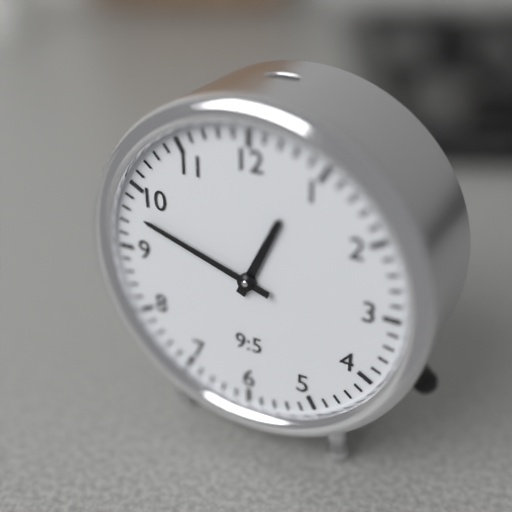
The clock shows h=12 m=48
